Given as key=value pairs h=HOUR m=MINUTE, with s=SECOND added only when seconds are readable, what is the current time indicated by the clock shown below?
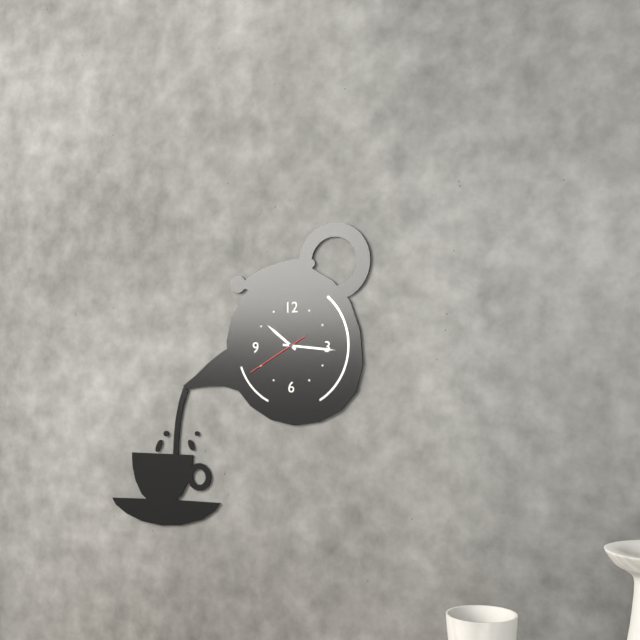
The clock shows h=10 m=16 s=40
